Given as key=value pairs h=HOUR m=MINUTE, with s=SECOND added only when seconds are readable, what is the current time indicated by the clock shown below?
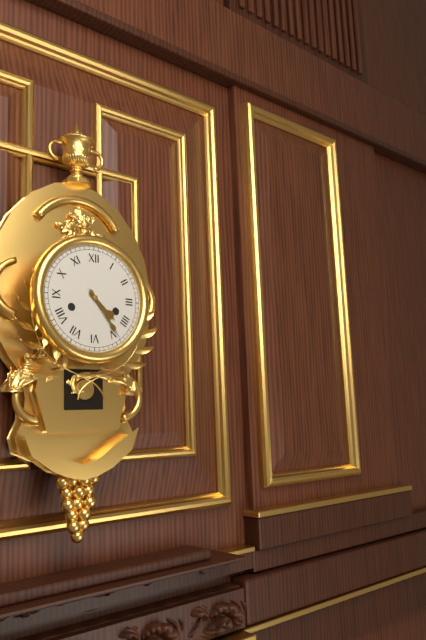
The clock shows h=4 m=24
